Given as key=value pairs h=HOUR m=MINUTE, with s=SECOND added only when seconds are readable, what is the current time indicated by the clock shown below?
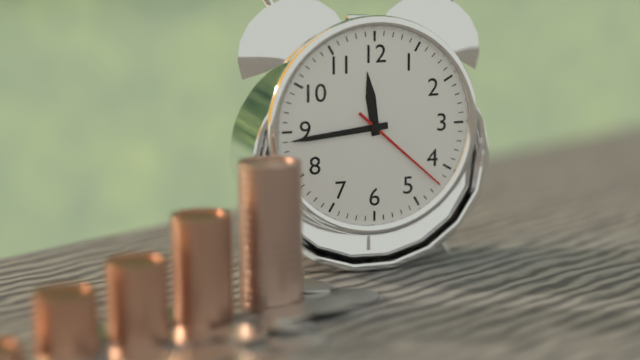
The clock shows h=11 m=44 s=22
